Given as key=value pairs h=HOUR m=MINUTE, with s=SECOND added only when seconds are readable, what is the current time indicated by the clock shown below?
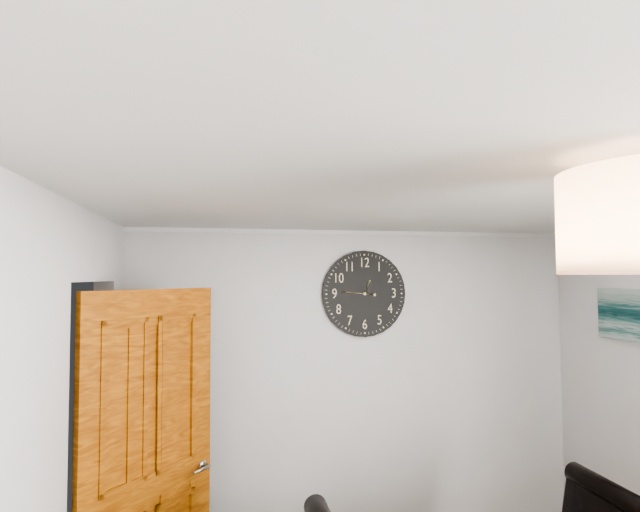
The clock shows h=12 m=46
